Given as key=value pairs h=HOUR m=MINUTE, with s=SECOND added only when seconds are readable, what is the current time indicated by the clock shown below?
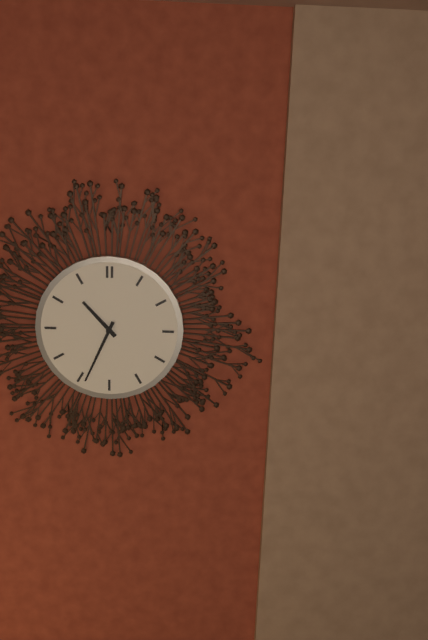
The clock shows h=10 m=34
